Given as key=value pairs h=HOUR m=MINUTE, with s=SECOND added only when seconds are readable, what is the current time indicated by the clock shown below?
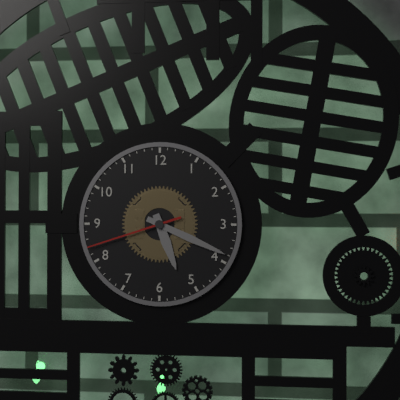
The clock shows h=5 m=19 s=42
